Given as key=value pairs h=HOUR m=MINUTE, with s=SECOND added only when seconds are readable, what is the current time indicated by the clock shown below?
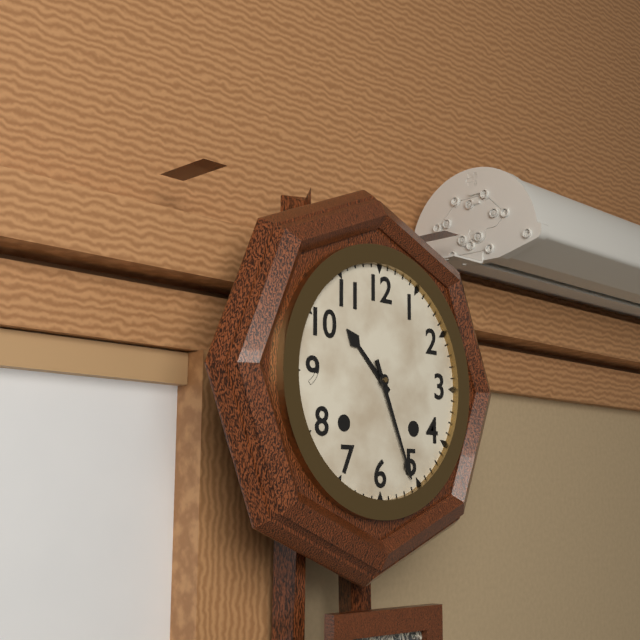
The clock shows h=10 m=26
